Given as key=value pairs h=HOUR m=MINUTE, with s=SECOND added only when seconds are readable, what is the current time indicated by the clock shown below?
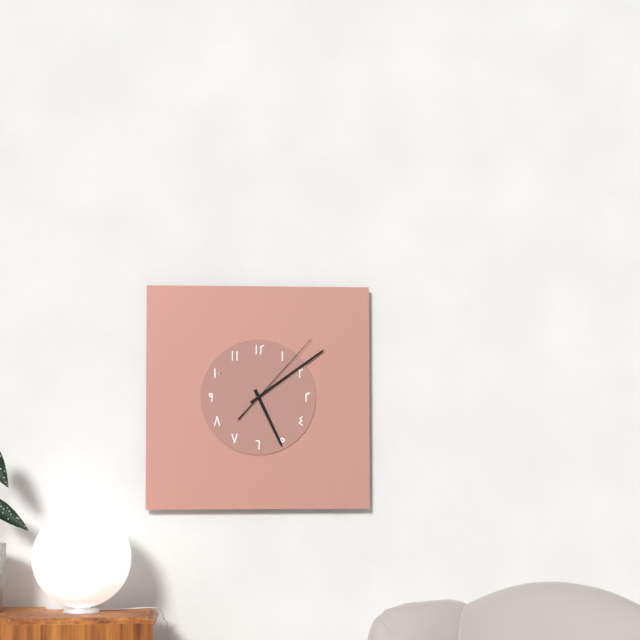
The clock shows h=5 m=9 s=7
